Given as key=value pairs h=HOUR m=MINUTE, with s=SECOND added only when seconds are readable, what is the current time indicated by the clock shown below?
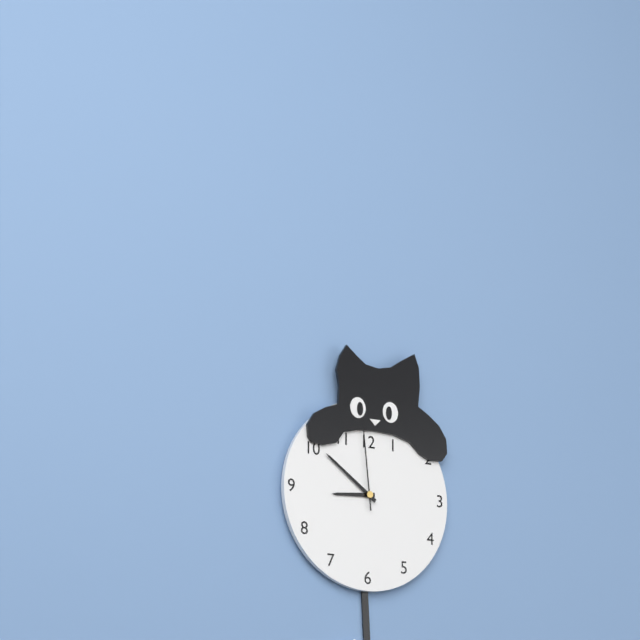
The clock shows h=8 m=51 s=59
